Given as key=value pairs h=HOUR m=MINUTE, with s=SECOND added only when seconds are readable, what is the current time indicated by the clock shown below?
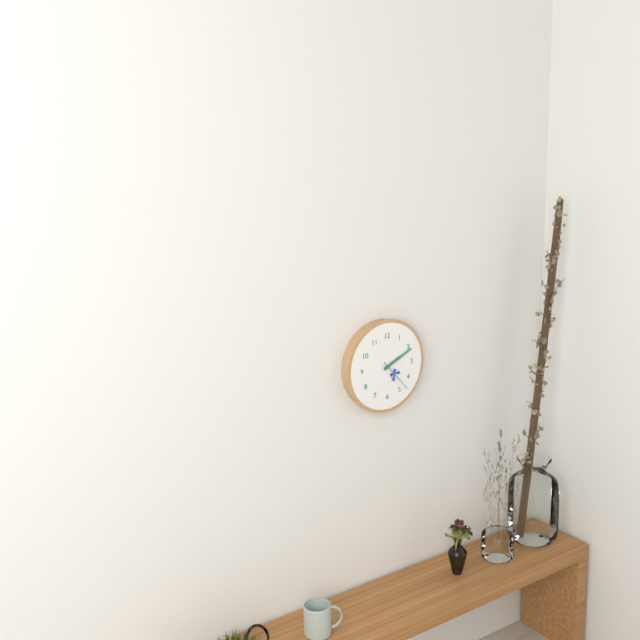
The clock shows h=2 m=11
